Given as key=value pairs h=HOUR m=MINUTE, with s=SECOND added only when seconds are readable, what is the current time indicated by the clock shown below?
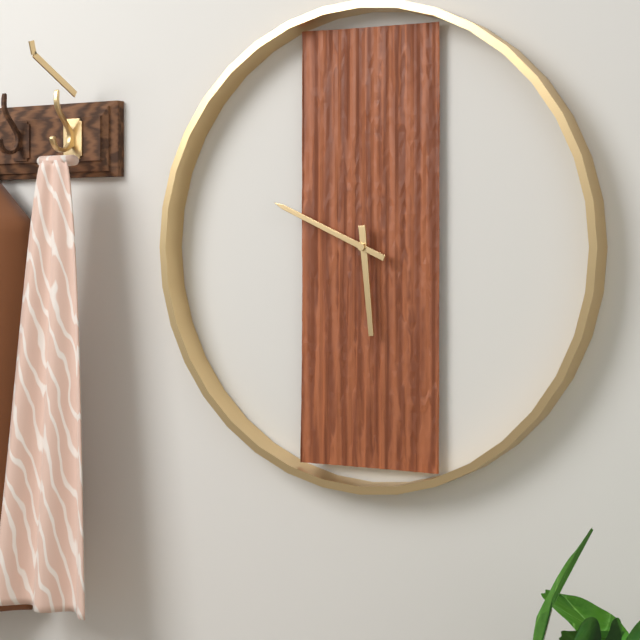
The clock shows h=5 m=49
